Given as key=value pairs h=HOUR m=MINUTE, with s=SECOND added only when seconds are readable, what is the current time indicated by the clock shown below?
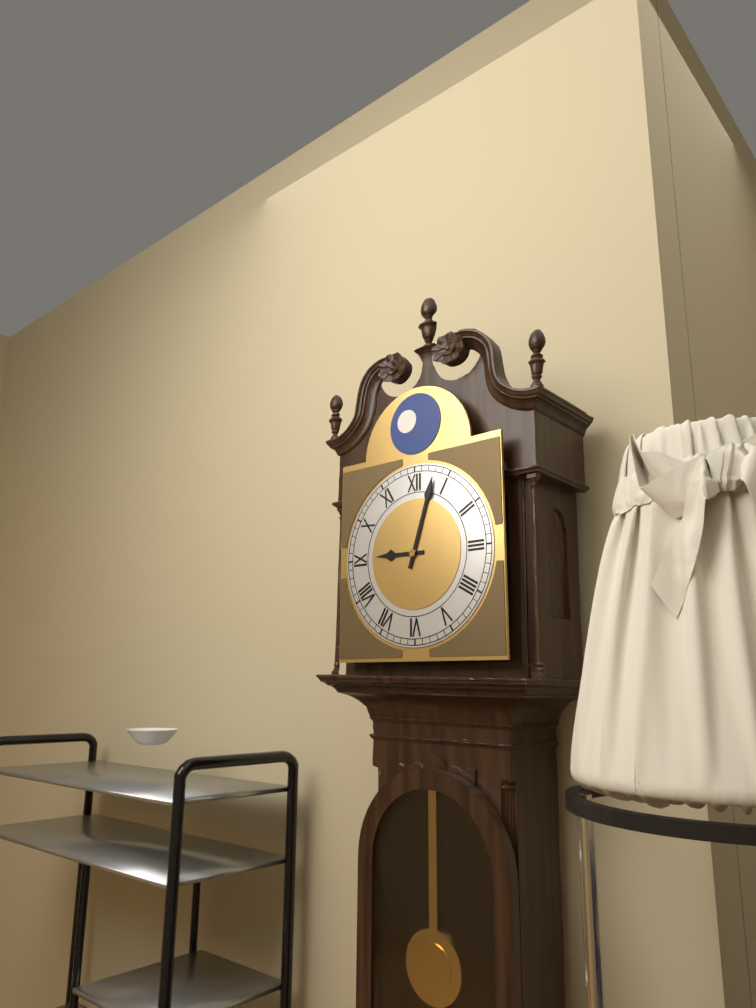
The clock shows h=9 m=3
